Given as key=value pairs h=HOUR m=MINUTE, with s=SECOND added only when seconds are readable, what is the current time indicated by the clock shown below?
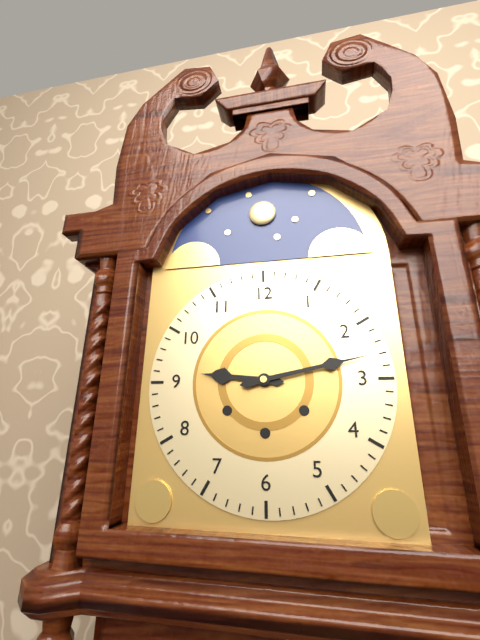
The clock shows h=9 m=13
